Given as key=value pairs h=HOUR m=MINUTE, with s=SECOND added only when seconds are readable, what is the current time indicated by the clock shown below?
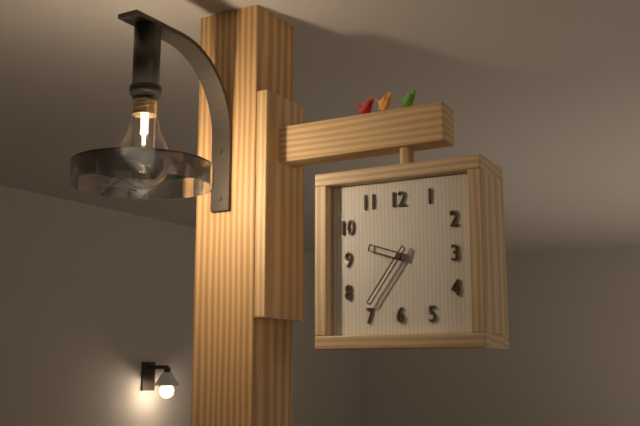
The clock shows h=9 m=36
